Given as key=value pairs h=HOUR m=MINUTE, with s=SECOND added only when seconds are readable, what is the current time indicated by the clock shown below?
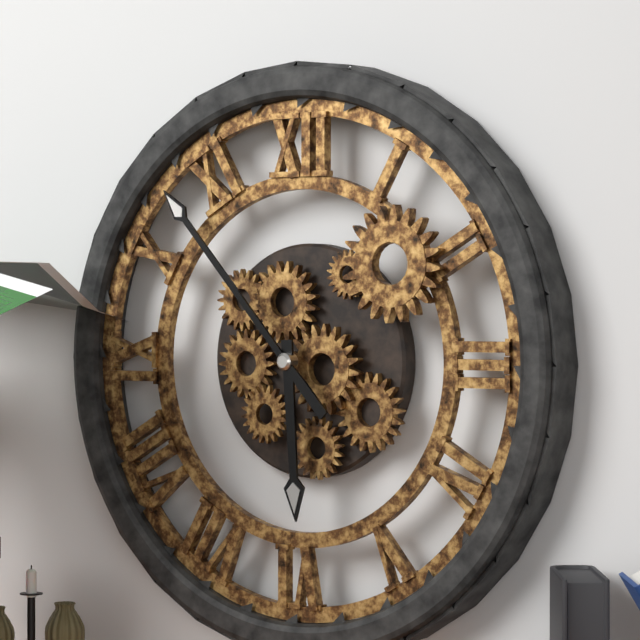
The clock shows h=5 m=53
